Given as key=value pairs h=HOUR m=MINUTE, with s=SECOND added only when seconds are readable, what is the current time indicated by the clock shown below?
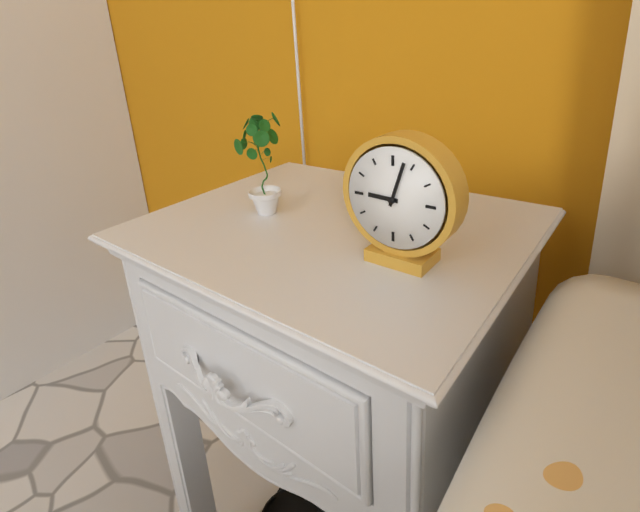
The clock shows h=9 m=3
